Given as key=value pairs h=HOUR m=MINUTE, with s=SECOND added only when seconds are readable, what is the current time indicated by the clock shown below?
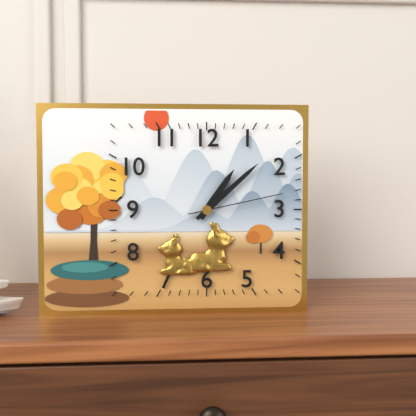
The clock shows h=1 m=8 s=13
